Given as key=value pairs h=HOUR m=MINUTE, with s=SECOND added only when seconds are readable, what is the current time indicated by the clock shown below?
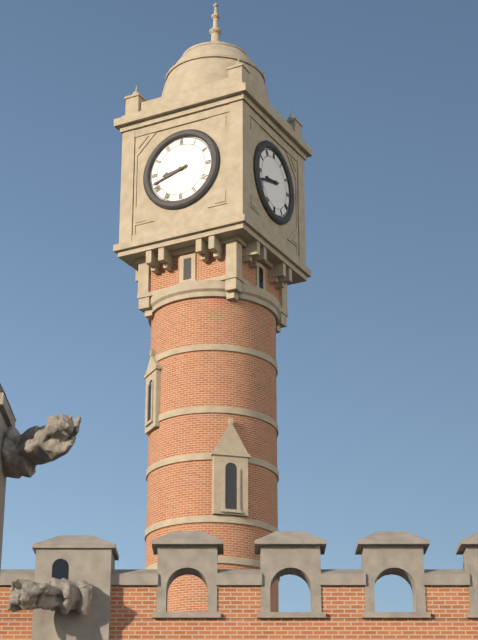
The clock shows h=8 m=42
